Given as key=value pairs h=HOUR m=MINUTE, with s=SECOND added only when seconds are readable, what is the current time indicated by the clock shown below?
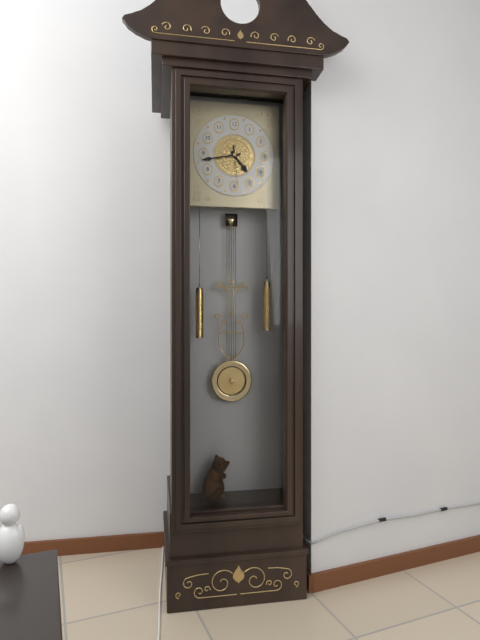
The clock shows h=4 m=43
